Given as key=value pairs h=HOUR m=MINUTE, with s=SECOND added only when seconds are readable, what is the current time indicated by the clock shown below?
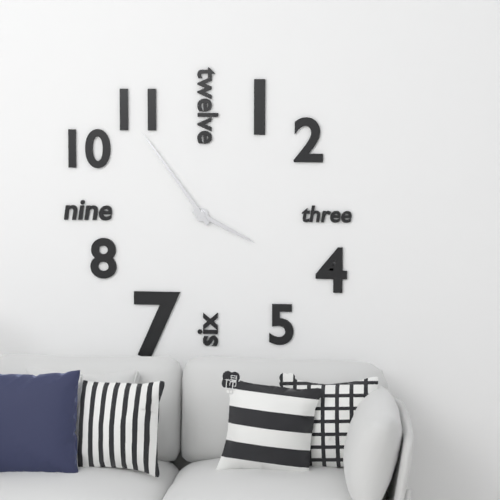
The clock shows h=3 m=54
